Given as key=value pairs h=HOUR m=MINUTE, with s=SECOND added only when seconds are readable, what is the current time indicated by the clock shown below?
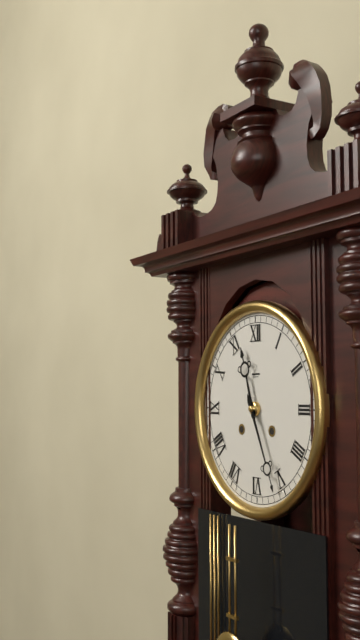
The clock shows h=11 m=26
